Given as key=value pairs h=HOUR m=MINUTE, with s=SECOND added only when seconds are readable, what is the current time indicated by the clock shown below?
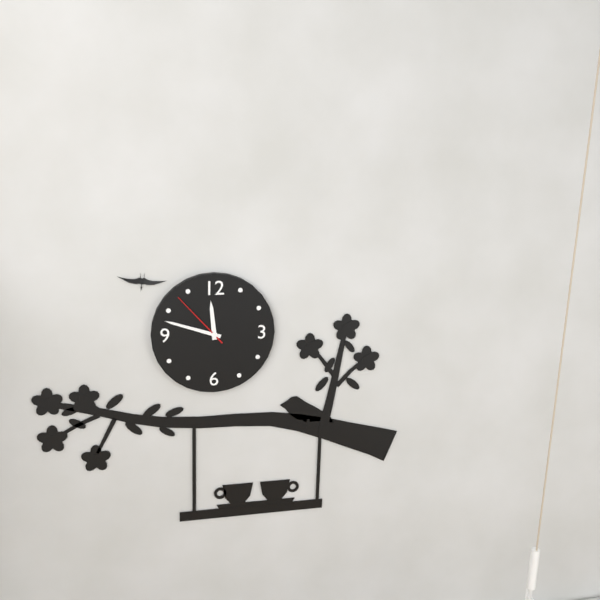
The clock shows h=11 m=48 s=53
